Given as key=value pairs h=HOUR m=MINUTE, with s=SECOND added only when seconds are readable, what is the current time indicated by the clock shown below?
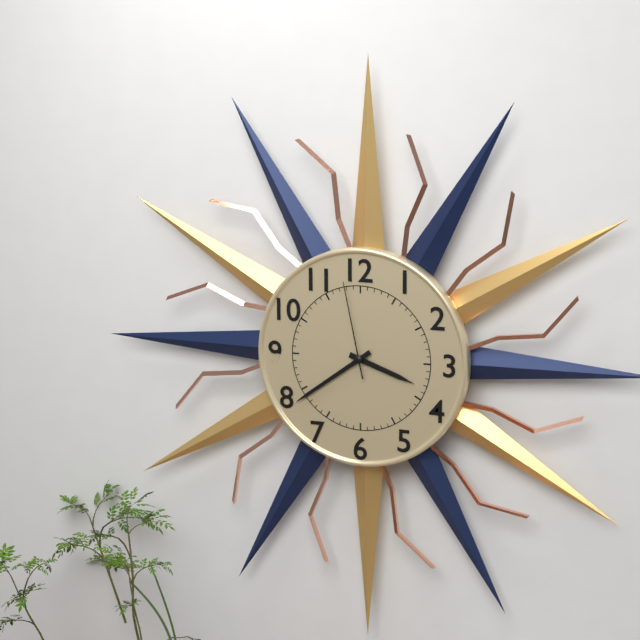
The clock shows h=3 m=39 s=58
